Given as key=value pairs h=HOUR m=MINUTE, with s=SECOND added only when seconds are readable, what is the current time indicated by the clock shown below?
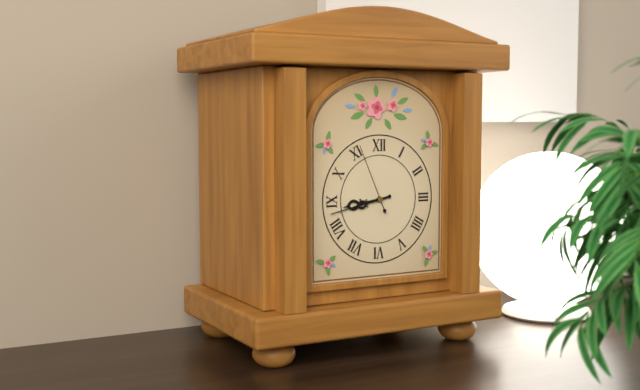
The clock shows h=8 m=43 s=56
